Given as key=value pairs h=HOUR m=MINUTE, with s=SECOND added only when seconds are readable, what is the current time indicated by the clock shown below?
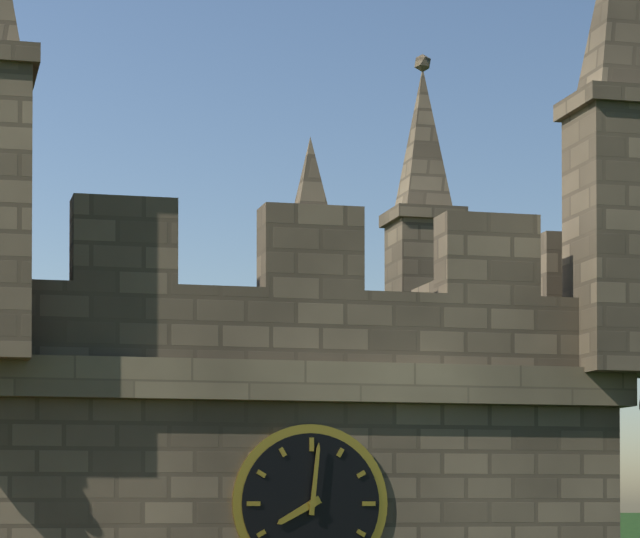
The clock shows h=8 m=1
